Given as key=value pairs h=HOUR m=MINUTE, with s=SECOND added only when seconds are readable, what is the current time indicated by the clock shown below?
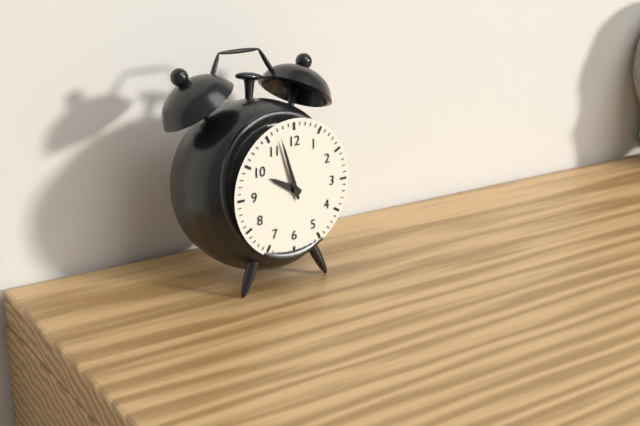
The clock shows h=9 m=57
